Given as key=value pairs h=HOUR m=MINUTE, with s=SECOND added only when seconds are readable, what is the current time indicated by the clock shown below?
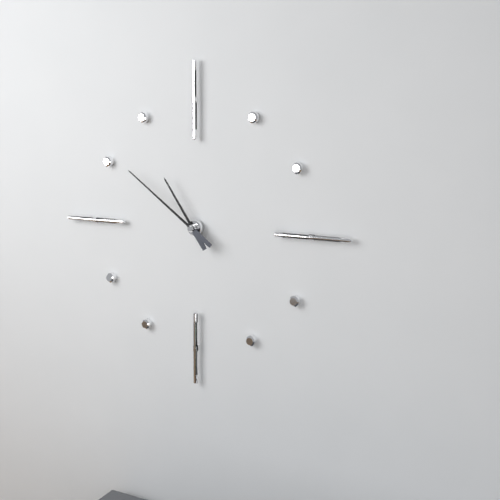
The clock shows h=10 m=51
